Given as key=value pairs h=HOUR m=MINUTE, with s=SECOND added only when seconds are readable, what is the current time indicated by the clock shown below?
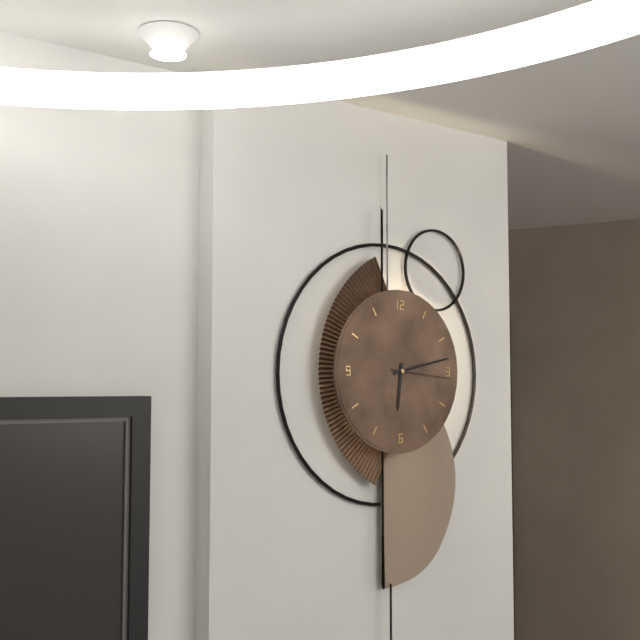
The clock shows h=6 m=13 s=16
